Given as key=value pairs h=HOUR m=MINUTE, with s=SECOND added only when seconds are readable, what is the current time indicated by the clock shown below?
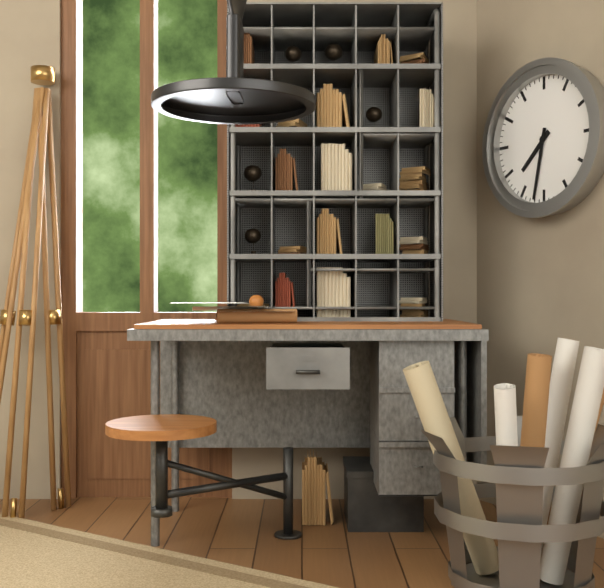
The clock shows h=7 m=32
